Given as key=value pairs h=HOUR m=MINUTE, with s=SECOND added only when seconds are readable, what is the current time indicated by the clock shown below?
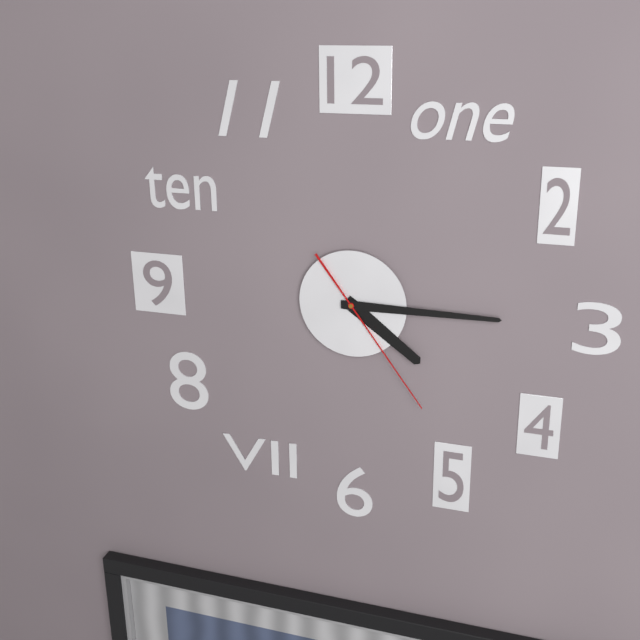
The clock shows h=4 m=15 s=24
